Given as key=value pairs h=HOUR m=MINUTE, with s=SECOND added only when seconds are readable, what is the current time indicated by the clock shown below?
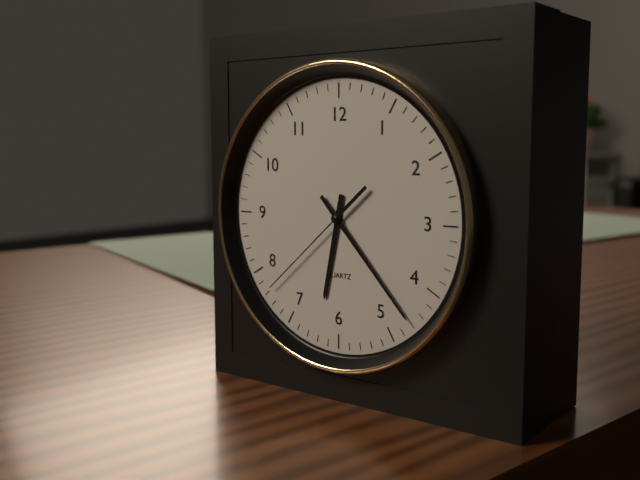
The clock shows h=6 m=23 s=38
